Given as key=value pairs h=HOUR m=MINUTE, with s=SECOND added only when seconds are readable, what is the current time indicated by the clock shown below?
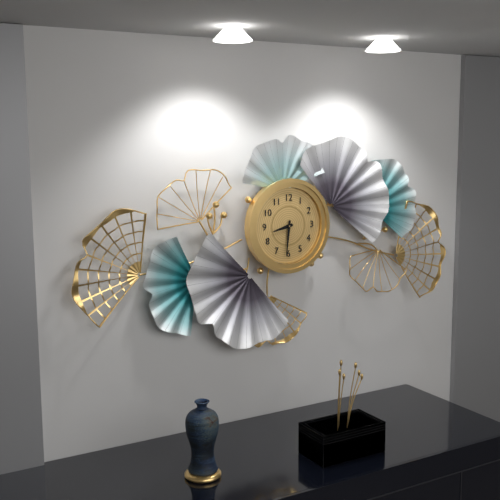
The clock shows h=8 m=31
